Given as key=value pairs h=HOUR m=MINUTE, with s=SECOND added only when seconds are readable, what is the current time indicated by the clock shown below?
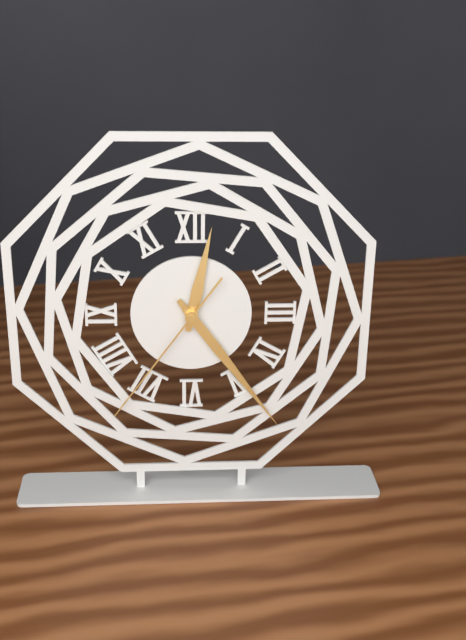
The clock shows h=12 m=24 s=36
